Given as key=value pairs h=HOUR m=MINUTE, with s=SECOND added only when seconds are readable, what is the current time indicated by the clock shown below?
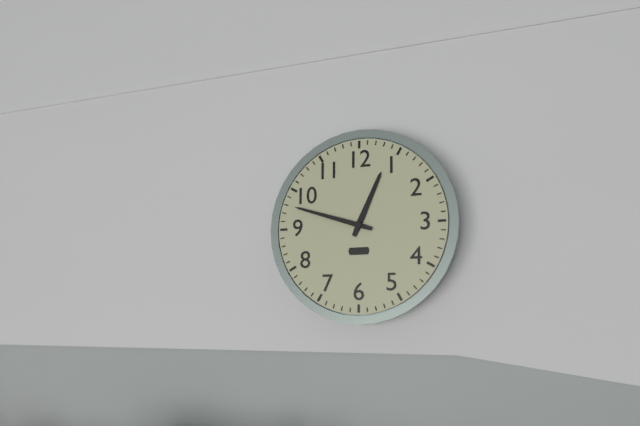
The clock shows h=12 m=48
